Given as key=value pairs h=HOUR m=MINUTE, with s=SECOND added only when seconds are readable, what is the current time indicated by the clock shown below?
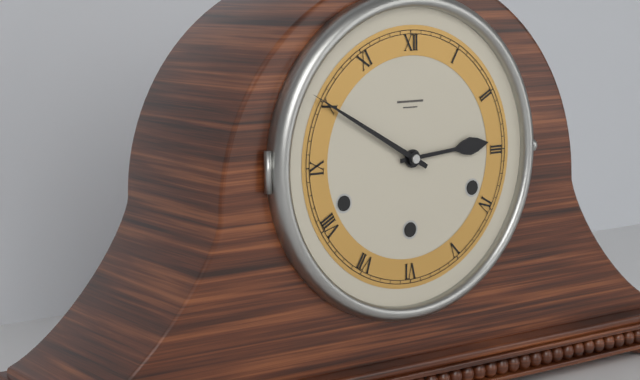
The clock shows h=2 m=50
